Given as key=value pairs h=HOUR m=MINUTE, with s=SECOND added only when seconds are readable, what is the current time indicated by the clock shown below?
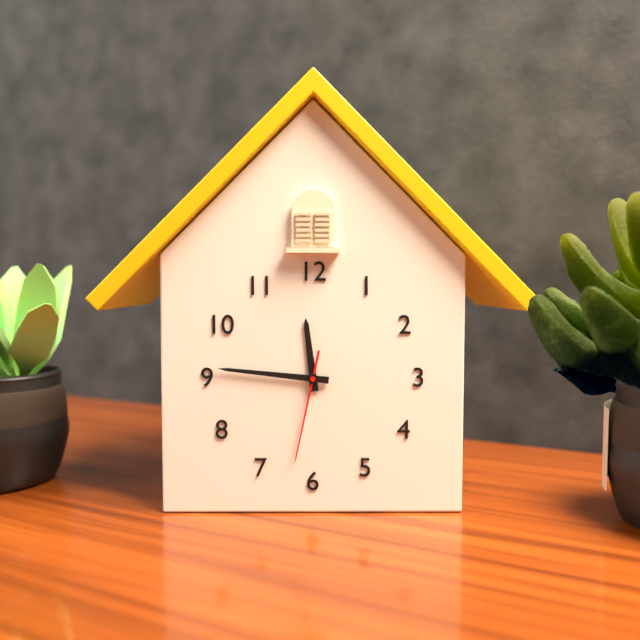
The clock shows h=11 m=46 s=32
